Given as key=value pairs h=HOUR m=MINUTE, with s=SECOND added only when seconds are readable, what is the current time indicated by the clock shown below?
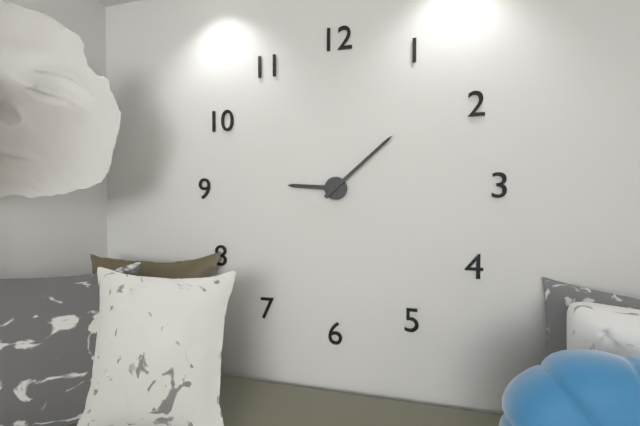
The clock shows h=9 m=8
